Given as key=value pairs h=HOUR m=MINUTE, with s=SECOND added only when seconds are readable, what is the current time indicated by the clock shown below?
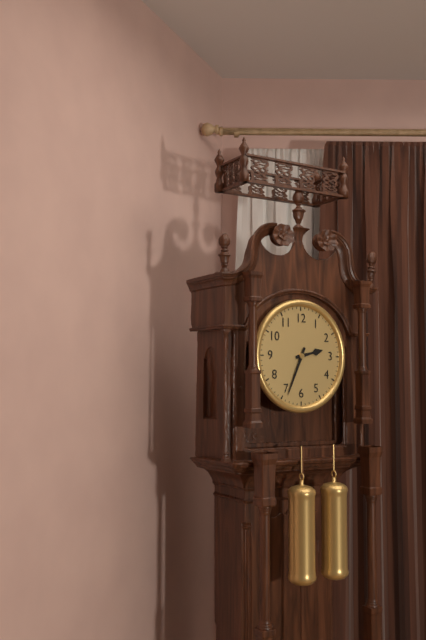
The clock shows h=2 m=34
